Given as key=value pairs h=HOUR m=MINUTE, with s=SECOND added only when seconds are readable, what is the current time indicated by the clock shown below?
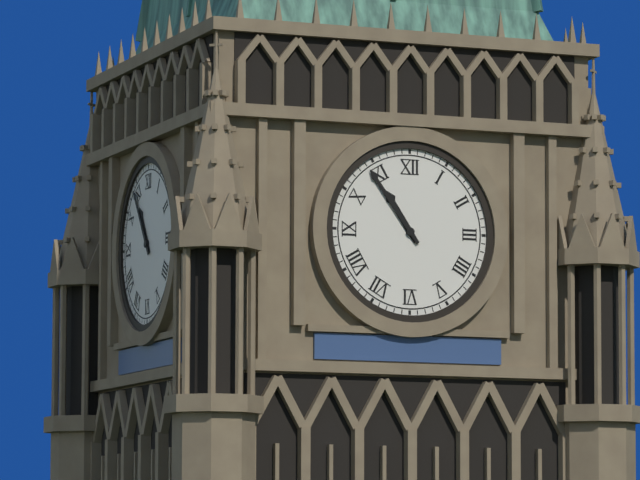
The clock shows h=10 m=54
